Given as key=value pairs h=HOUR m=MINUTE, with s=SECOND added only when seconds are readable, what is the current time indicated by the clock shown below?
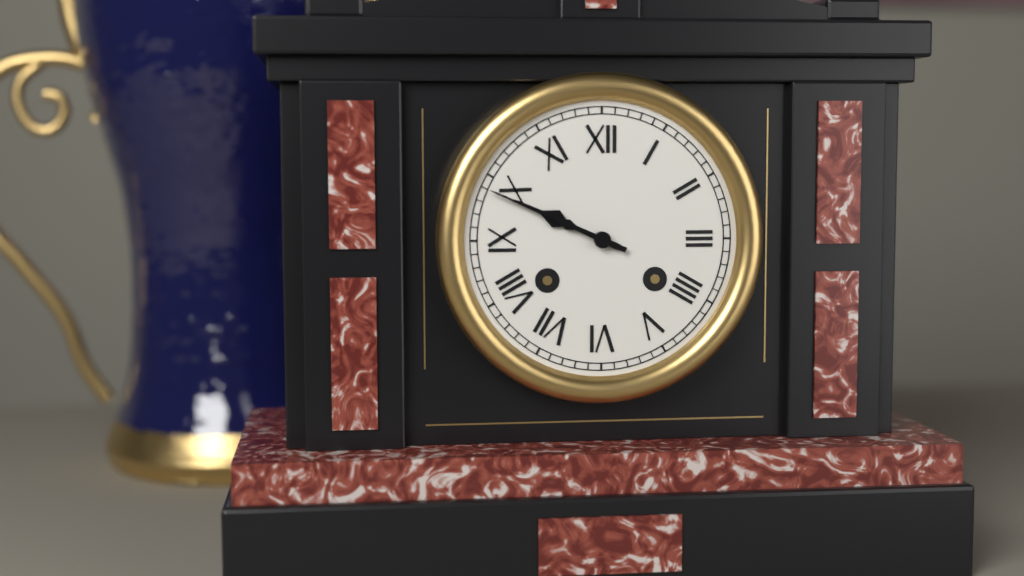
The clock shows h=9 m=49
